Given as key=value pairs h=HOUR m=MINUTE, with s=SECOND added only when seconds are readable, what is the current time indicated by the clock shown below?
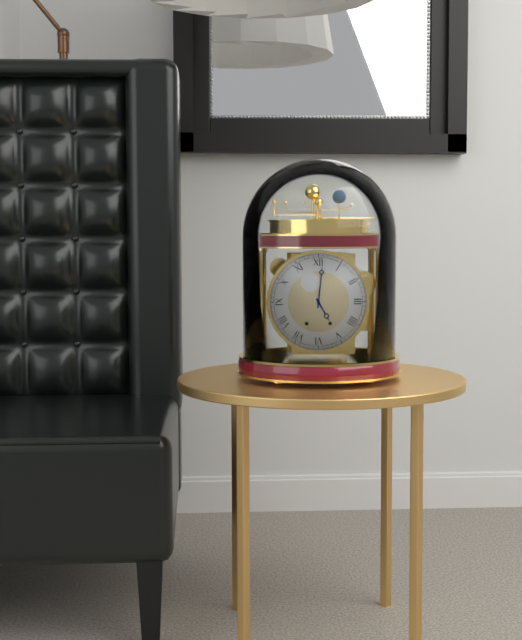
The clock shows h=5 m=1
